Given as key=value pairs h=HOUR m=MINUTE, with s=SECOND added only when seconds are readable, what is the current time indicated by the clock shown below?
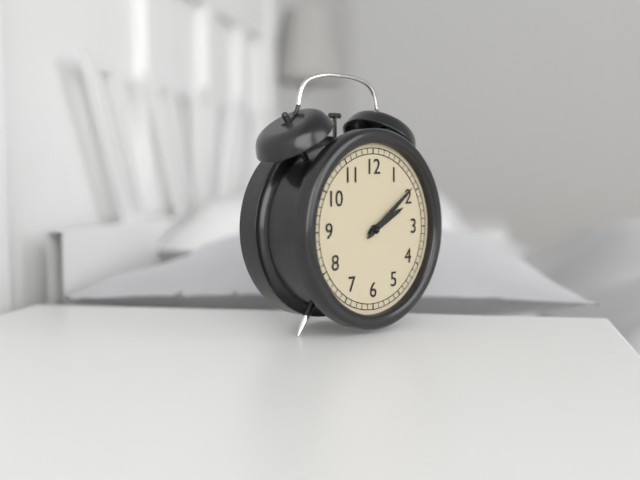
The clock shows h=2 m=9
